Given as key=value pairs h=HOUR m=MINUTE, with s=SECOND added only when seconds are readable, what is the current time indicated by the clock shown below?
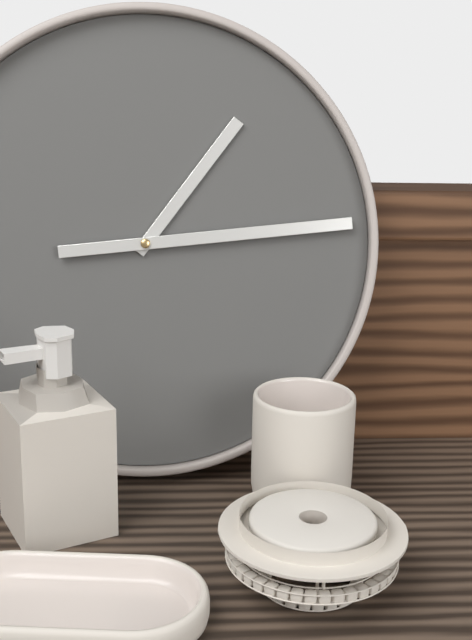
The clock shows h=1 m=14
